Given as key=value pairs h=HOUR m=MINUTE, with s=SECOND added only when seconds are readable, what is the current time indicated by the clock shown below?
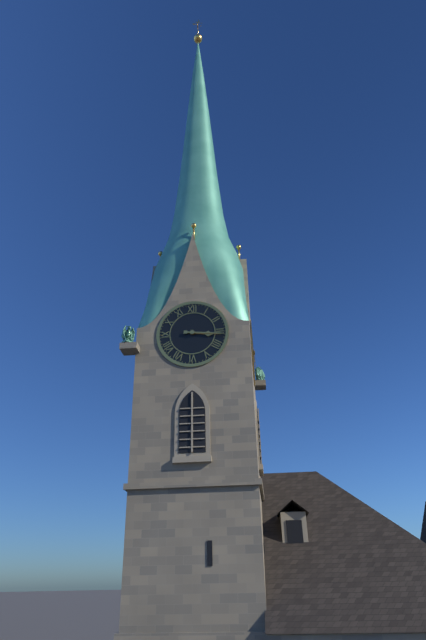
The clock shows h=3 m=16
